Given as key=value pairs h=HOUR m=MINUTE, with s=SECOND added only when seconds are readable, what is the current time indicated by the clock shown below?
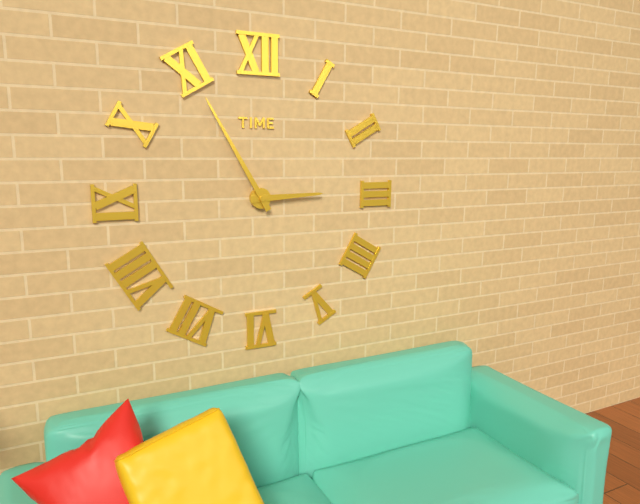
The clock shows h=2 m=55
